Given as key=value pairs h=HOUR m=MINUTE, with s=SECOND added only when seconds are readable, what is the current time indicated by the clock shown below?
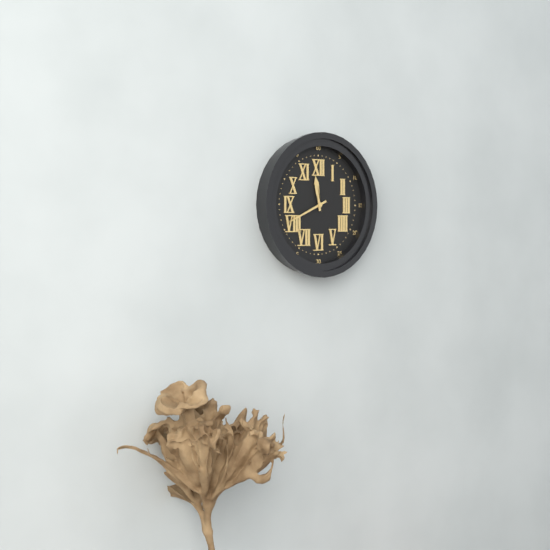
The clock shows h=11 m=41
